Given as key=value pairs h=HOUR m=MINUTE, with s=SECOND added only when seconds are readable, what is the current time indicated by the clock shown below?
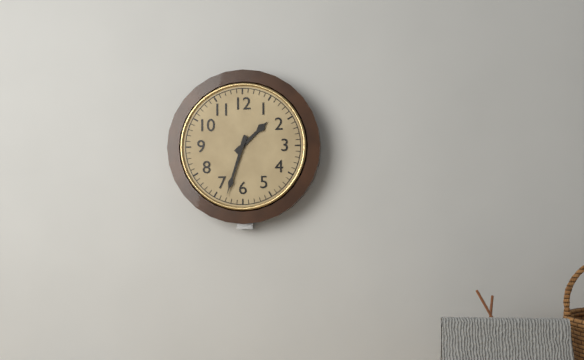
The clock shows h=1 m=33
